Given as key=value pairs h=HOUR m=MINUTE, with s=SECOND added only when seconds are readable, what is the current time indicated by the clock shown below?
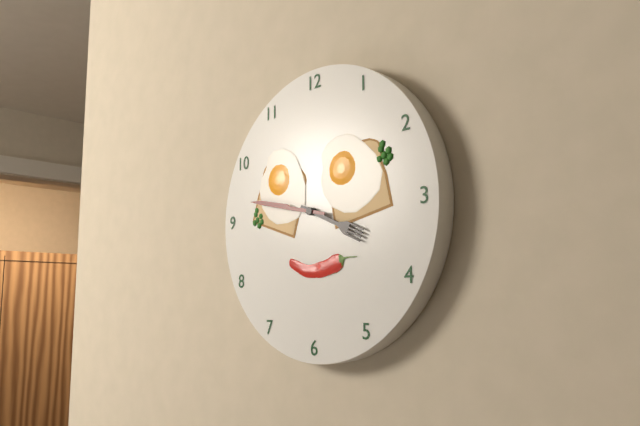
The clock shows h=3 m=47
